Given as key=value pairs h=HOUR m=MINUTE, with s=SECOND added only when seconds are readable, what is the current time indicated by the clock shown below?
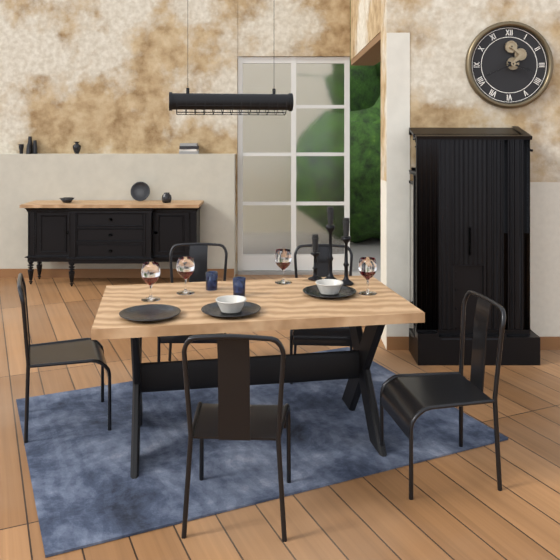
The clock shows h=3 m=41
